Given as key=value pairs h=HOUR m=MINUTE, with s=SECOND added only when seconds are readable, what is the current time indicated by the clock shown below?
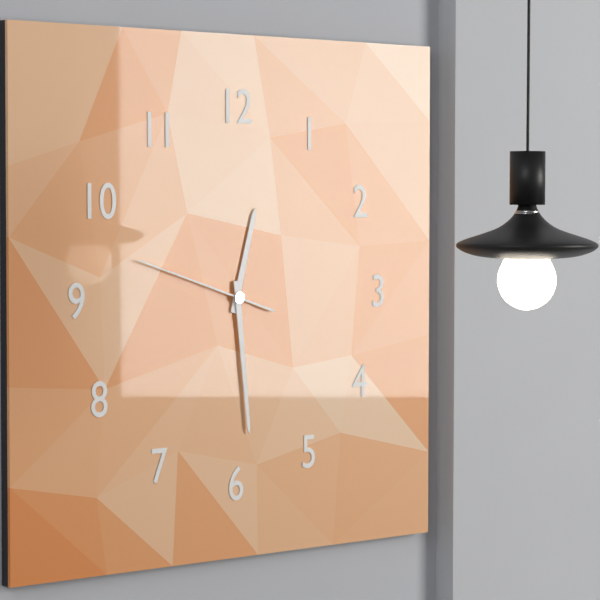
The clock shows h=12 m=29 s=48
